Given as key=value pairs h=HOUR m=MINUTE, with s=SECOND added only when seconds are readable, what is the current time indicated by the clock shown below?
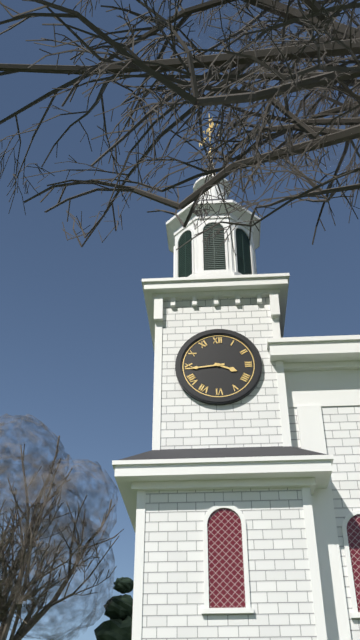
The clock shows h=3 m=44
